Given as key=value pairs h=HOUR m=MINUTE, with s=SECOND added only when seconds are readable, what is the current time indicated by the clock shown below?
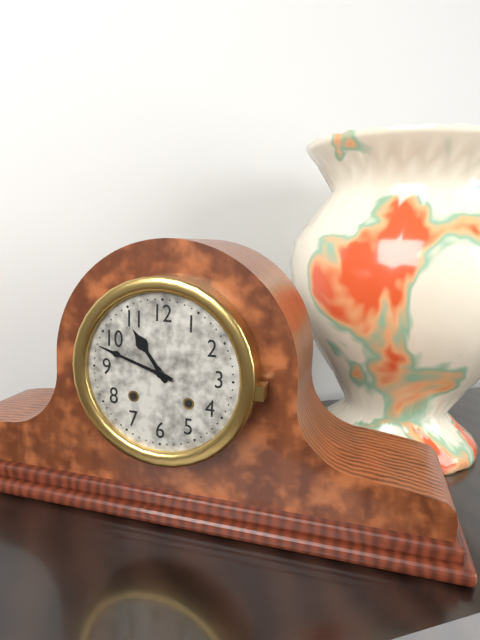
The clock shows h=10 m=48
